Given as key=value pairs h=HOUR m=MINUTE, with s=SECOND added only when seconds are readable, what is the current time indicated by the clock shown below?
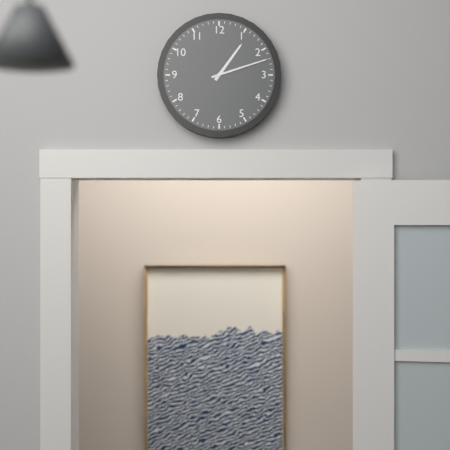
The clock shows h=1 m=12
